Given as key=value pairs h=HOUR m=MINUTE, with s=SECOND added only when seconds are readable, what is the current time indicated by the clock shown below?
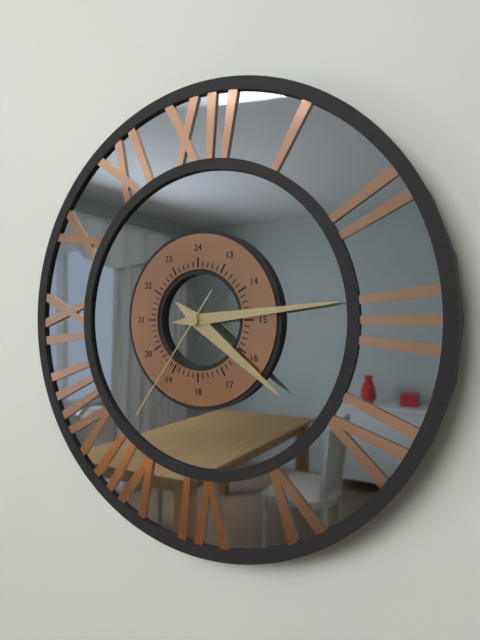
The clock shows h=4 m=14 s=36
